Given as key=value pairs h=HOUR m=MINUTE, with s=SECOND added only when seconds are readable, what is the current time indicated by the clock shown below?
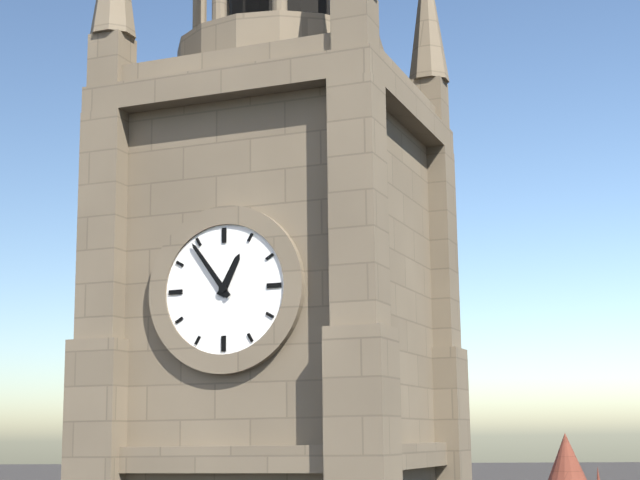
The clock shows h=12 m=54
